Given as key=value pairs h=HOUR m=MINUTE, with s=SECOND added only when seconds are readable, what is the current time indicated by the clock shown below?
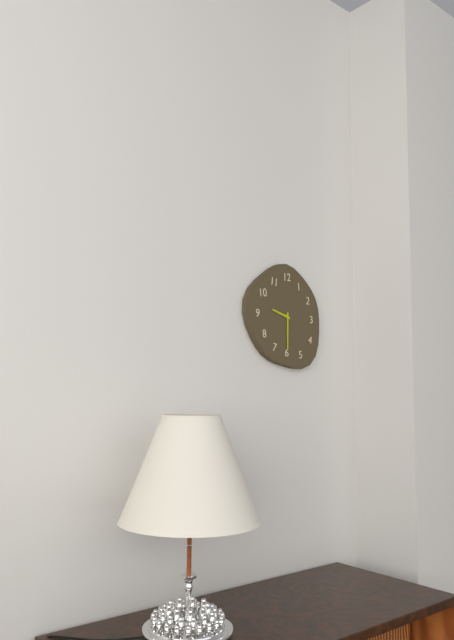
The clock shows h=9 m=30
